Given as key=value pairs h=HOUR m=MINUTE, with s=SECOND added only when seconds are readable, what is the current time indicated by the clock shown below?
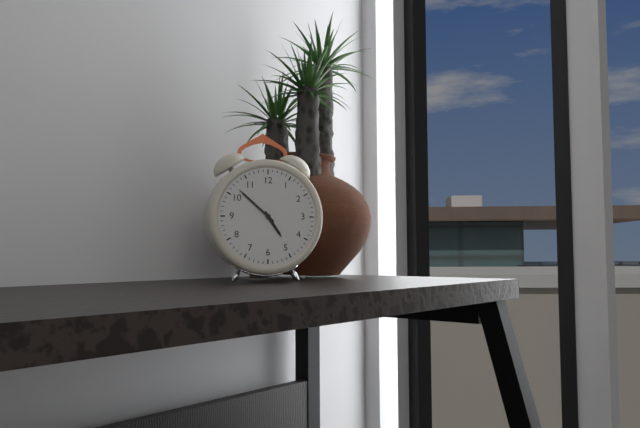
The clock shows h=4 m=52
